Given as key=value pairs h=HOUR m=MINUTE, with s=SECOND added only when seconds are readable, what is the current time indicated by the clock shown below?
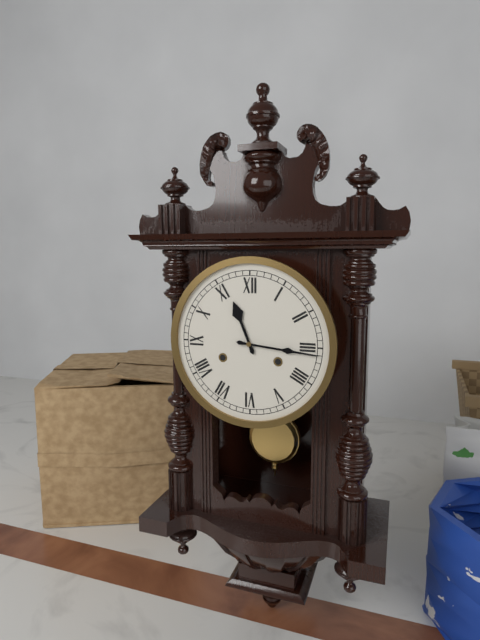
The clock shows h=11 m=16
